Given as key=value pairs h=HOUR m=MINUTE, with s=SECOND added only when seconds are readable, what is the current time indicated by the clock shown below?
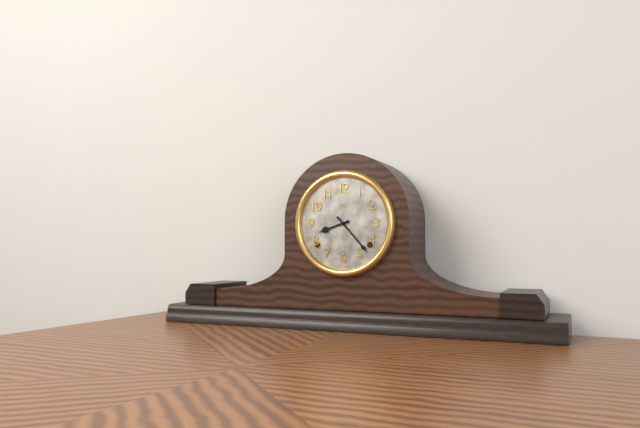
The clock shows h=8 m=23
